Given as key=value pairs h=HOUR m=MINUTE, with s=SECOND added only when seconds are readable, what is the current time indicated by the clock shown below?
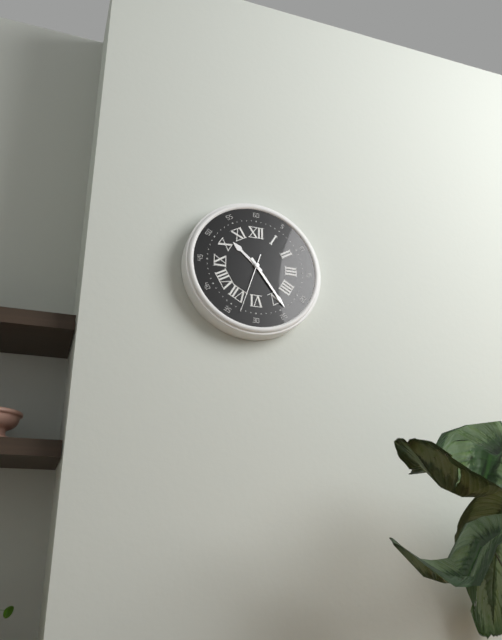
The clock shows h=10 m=24 s=33
